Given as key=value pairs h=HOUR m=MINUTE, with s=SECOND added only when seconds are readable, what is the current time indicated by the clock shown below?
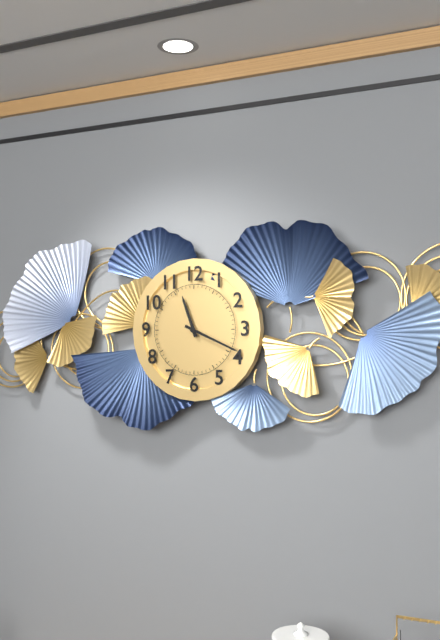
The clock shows h=11 m=19
